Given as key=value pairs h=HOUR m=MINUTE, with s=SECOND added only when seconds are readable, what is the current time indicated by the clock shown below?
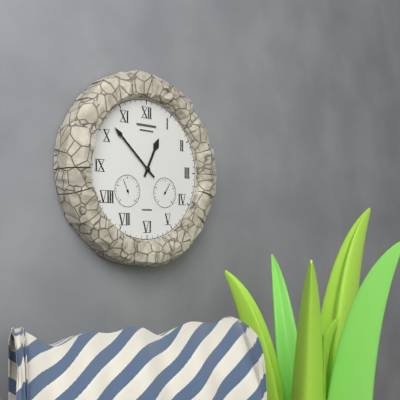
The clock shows h=12 m=52
